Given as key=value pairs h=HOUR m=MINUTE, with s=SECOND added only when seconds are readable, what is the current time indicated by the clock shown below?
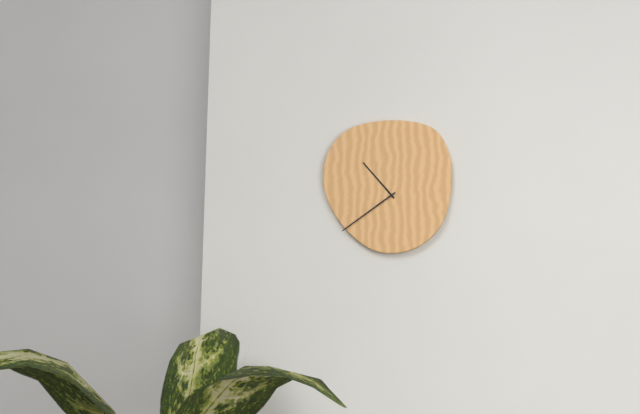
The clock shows h=10 m=39
